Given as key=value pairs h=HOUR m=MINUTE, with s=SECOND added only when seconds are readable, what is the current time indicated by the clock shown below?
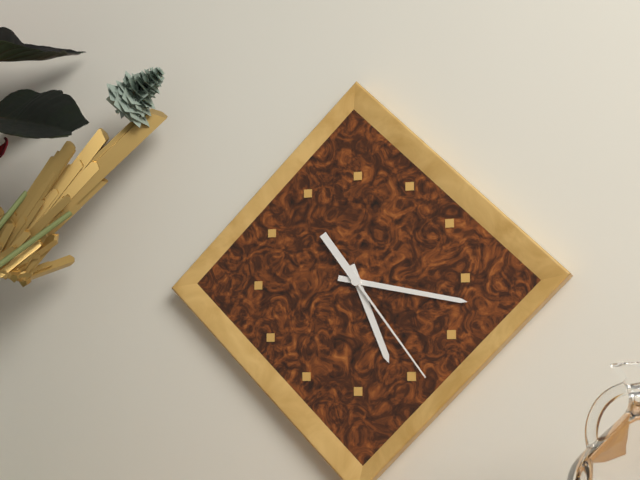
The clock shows h=5 m=17 s=24
